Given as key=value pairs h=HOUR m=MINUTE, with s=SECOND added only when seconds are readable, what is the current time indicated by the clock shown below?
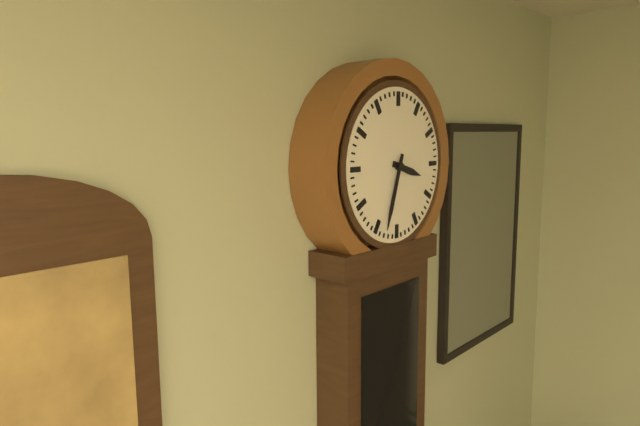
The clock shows h=3 m=33
